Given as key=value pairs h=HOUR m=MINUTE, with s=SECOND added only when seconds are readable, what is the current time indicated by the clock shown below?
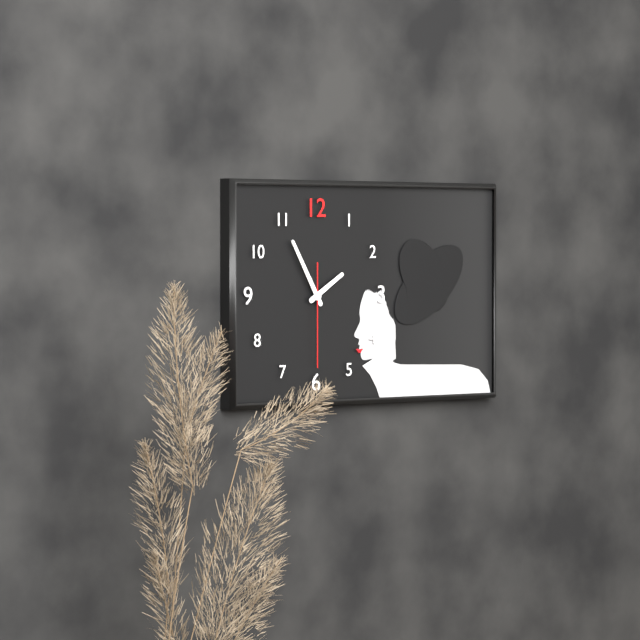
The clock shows h=1 m=55 s=30
